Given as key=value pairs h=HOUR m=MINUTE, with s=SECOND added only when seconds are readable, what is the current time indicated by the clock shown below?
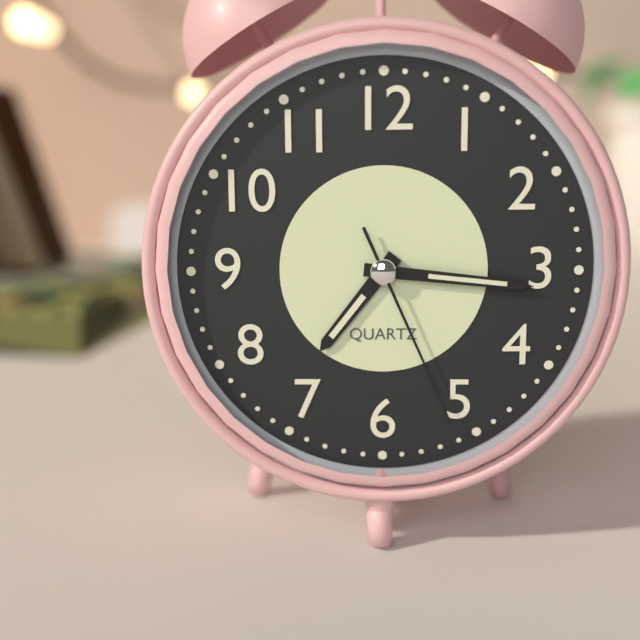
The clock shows h=7 m=16 s=26
